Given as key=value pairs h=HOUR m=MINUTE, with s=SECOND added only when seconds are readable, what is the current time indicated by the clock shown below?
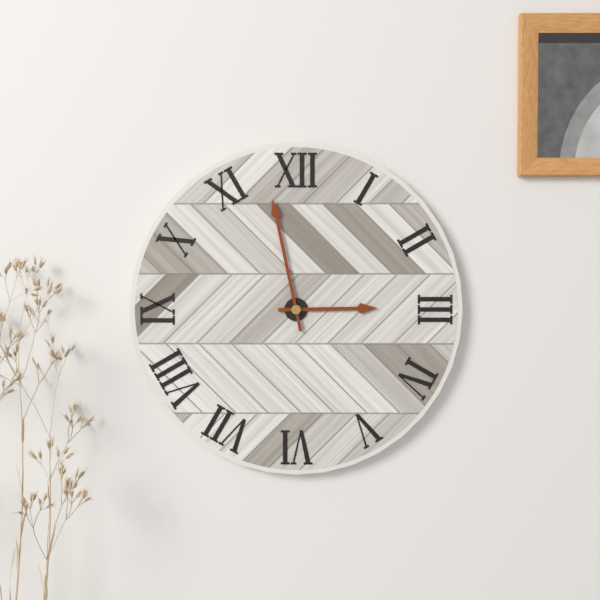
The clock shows h=2 m=58
